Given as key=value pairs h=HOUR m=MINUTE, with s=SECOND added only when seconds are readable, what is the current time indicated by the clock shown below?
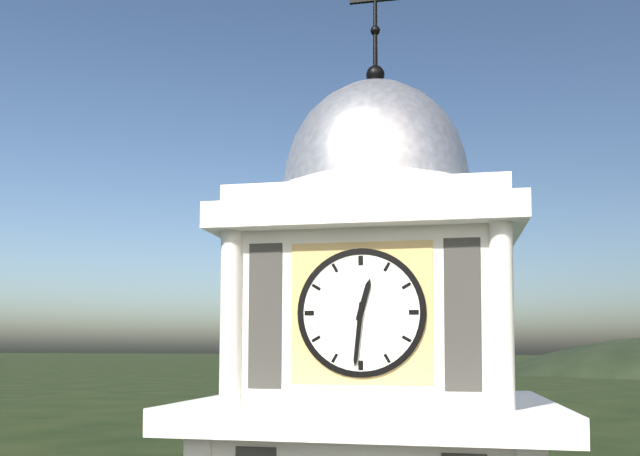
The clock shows h=12 m=31
